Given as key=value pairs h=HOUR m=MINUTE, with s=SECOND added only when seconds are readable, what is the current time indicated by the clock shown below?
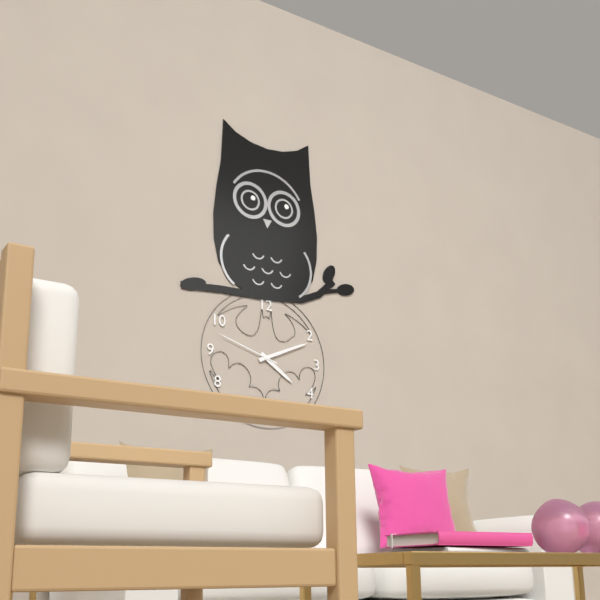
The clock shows h=4 m=11 s=48
